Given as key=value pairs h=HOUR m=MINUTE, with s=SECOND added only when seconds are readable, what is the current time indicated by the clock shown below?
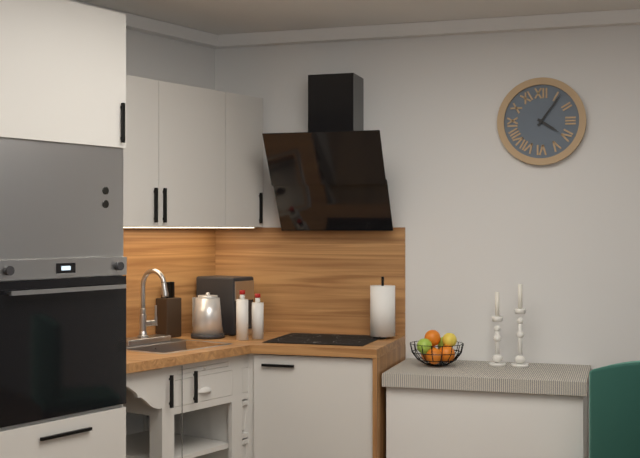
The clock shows h=4 m=6
